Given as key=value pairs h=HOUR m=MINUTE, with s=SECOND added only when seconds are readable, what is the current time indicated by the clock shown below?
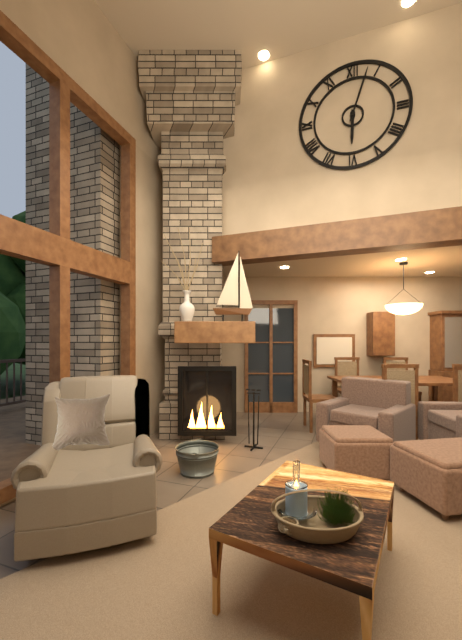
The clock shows h=6 m=3
